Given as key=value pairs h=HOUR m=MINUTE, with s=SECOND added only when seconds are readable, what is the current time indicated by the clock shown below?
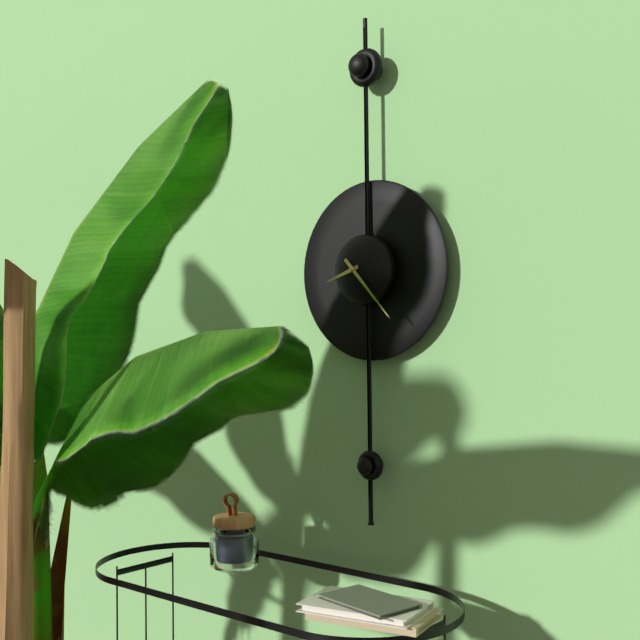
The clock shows h=8 m=23
